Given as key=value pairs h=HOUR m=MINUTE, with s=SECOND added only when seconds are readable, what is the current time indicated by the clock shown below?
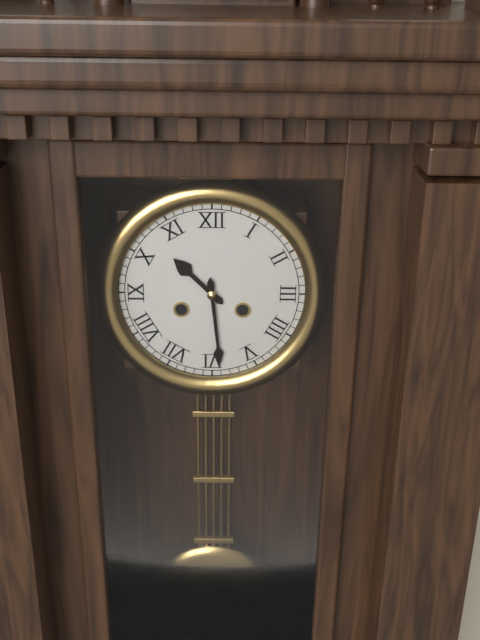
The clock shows h=10 m=29
